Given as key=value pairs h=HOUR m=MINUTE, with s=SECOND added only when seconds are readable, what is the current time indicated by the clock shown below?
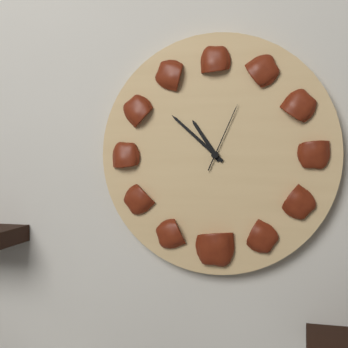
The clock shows h=10 m=52 s=4
